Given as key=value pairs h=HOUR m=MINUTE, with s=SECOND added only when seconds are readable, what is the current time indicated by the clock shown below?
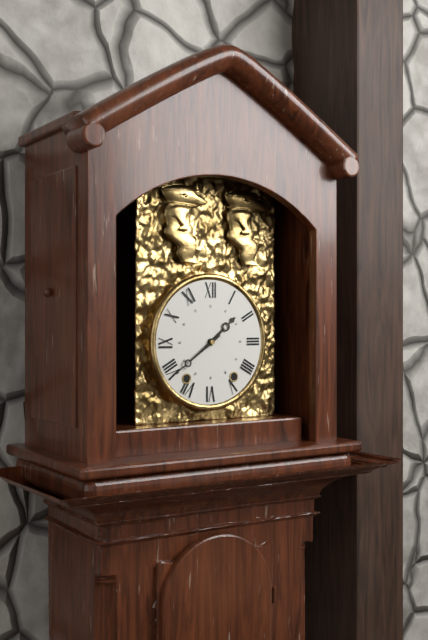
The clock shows h=1 m=39
